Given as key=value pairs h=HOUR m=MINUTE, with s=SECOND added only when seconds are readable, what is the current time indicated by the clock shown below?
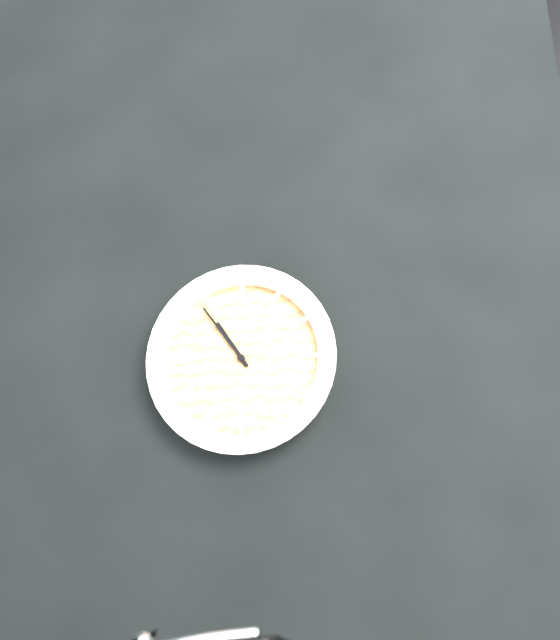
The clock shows h=10 m=54
